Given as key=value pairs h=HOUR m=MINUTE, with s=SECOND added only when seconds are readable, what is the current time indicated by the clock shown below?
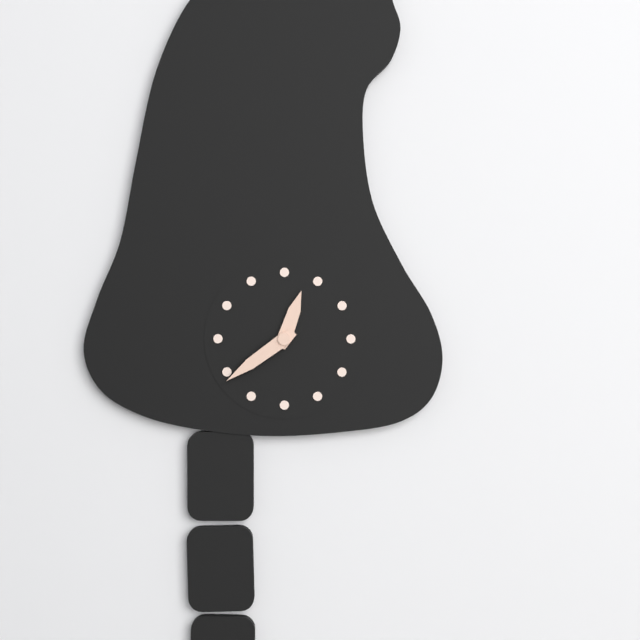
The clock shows h=12 m=39
